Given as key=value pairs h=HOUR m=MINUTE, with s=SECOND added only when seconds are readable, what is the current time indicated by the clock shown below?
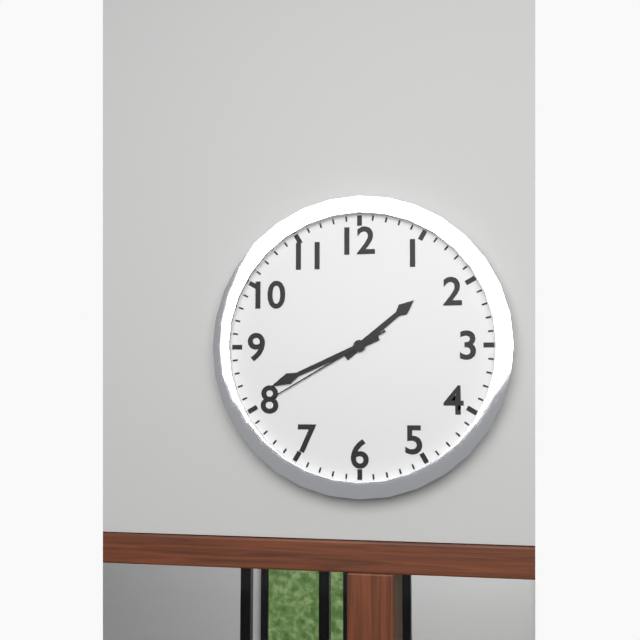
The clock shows h=1 m=41 s=40
